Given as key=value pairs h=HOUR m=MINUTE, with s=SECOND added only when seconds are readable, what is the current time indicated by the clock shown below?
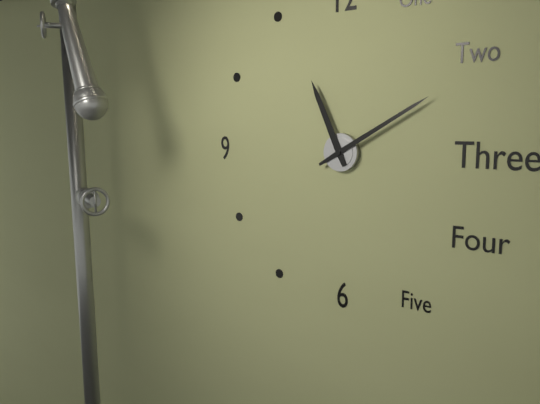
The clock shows h=11 m=10
